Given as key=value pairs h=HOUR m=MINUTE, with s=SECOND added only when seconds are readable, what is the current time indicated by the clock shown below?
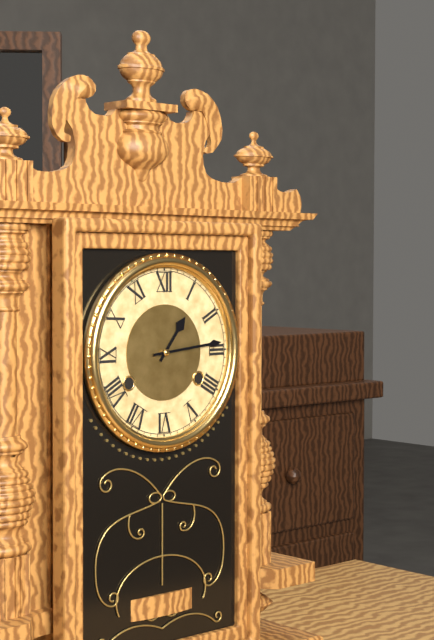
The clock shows h=1 m=14
